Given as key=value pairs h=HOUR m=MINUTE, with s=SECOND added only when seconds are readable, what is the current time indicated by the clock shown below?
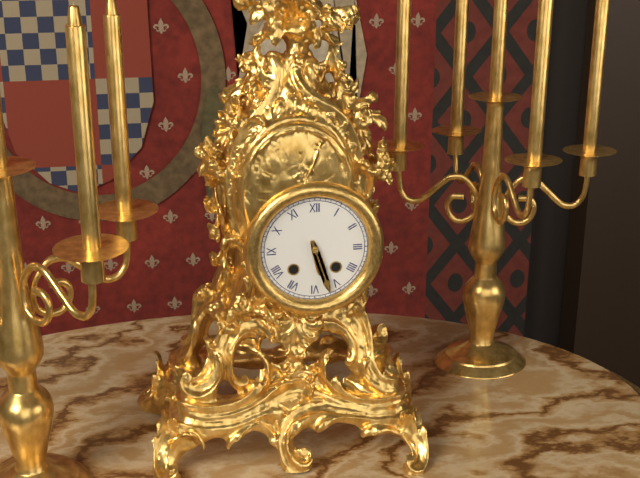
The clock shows h=5 m=27
